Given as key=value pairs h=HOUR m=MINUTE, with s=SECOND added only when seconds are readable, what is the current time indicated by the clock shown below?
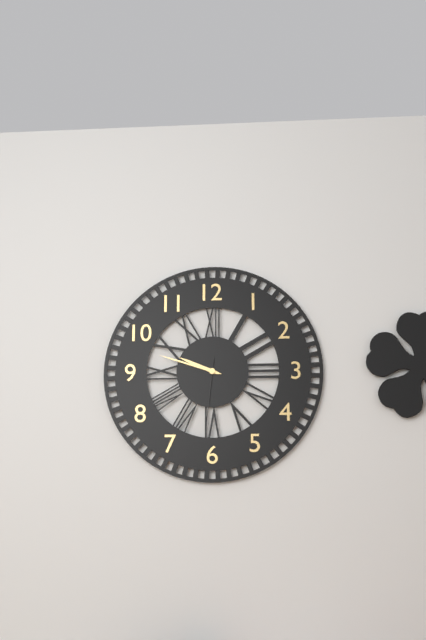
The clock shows h=9 m=48 s=31
